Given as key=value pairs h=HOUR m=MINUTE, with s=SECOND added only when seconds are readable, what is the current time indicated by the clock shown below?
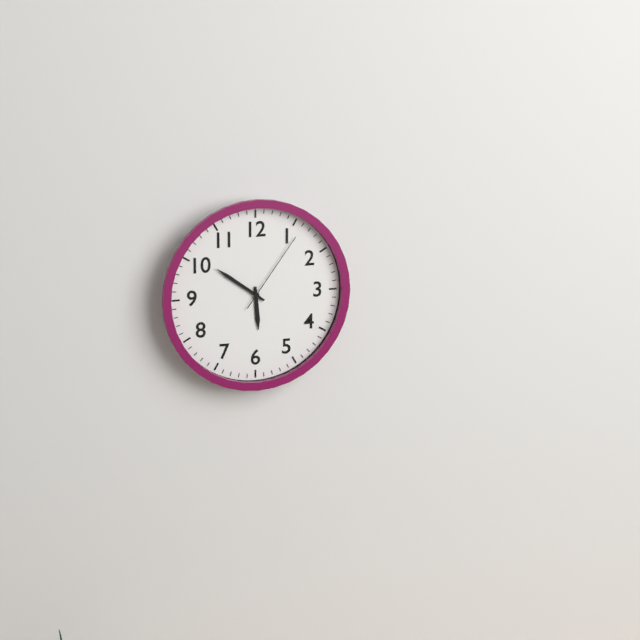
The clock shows h=5 m=51 s=6
